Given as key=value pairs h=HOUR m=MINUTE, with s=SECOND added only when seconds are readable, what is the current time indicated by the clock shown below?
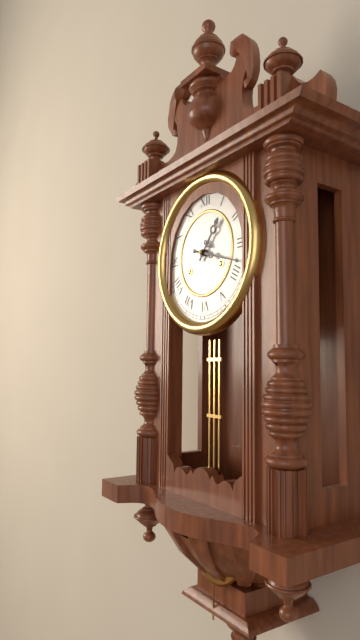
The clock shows h=1 m=18
